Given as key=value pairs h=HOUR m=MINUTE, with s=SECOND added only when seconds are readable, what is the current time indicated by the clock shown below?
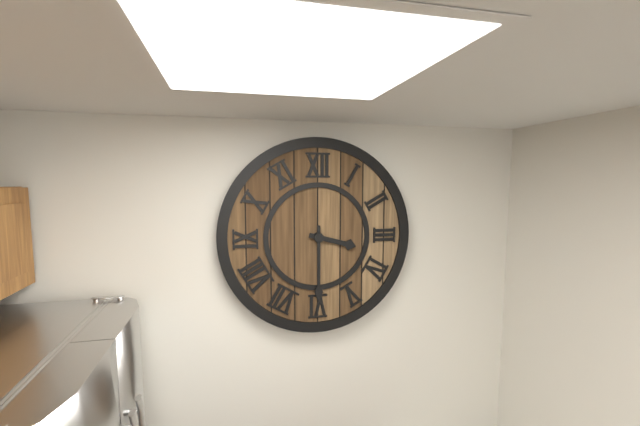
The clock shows h=3 m=30
